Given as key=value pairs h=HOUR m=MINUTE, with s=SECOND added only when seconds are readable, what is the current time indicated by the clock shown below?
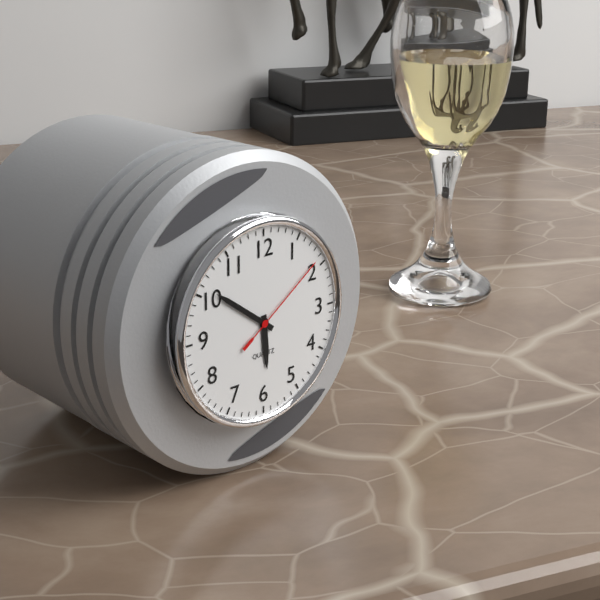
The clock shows h=5 m=51 s=9
